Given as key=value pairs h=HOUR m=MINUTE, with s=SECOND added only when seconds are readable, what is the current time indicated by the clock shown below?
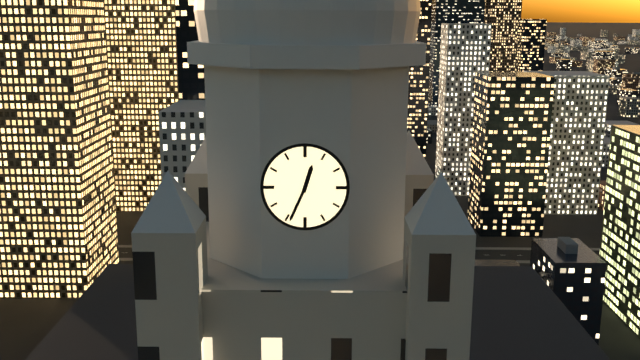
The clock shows h=12 m=34
